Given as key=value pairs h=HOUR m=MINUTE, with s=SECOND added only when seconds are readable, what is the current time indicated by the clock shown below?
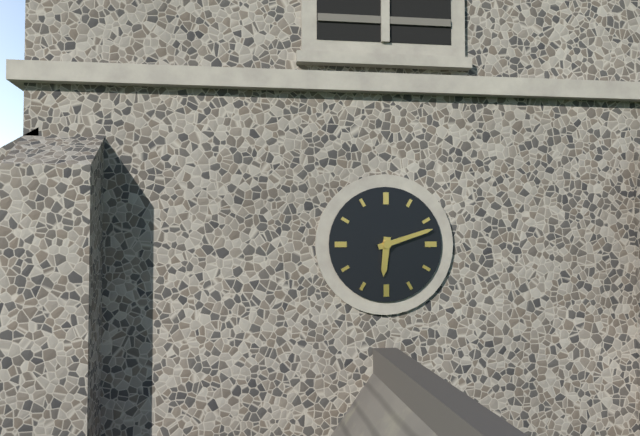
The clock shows h=6 m=12
